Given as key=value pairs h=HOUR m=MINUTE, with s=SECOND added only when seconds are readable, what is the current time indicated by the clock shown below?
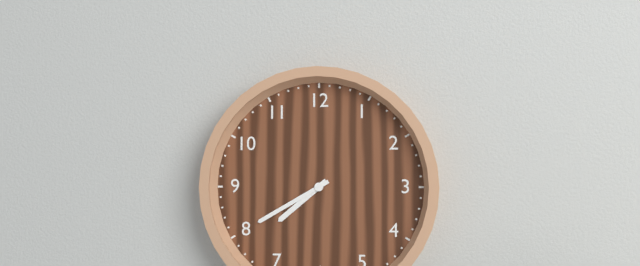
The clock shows h=7 m=40
